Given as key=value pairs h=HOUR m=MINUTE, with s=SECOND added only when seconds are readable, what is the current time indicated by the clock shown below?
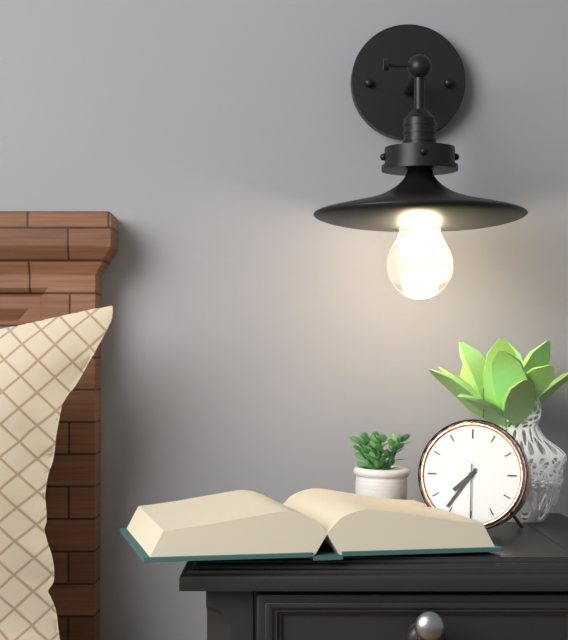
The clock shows h=7 m=36 s=30
